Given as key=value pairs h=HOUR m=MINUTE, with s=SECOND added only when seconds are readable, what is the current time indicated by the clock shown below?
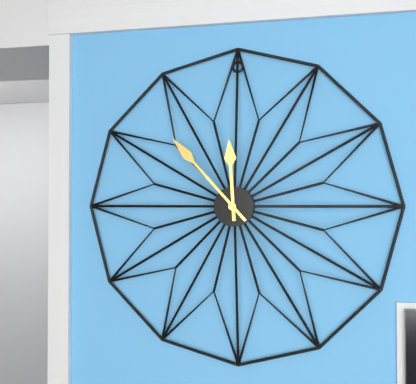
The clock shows h=11 m=53
